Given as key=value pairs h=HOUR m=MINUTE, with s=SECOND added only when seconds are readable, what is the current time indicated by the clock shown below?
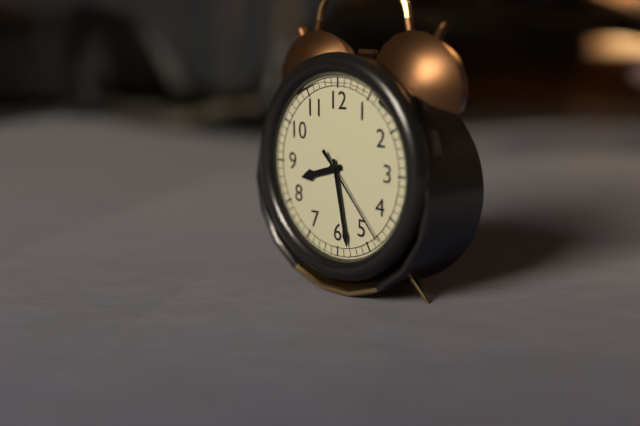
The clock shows h=8 m=28 s=23
